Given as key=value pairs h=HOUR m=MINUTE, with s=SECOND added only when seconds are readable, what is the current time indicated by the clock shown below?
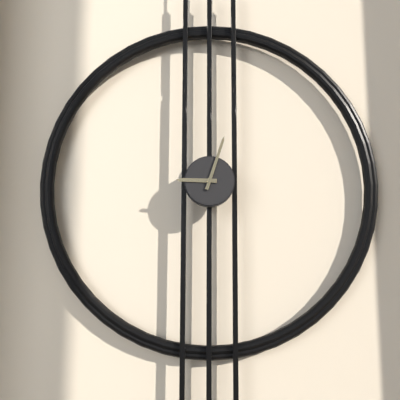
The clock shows h=9 m=3
